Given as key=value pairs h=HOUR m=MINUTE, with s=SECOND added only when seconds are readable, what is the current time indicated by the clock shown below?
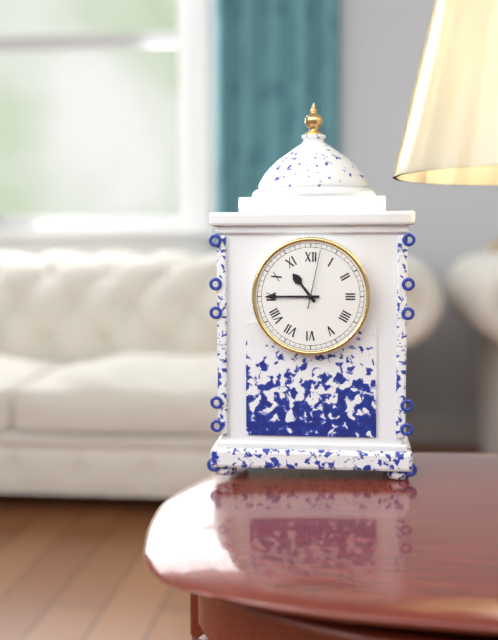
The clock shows h=10 m=45 s=2
